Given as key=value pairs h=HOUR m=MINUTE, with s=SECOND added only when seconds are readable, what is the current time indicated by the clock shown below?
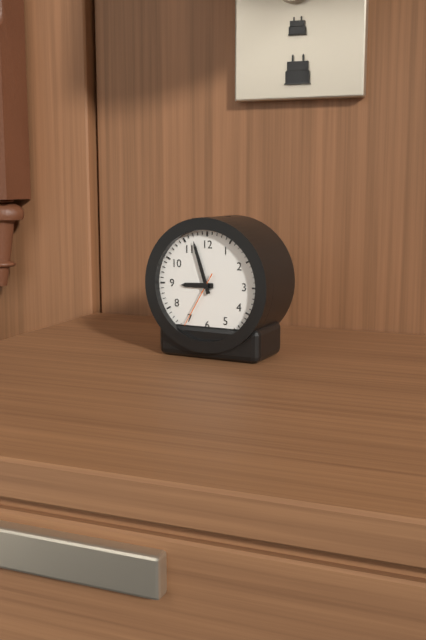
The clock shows h=8 m=57 s=35
